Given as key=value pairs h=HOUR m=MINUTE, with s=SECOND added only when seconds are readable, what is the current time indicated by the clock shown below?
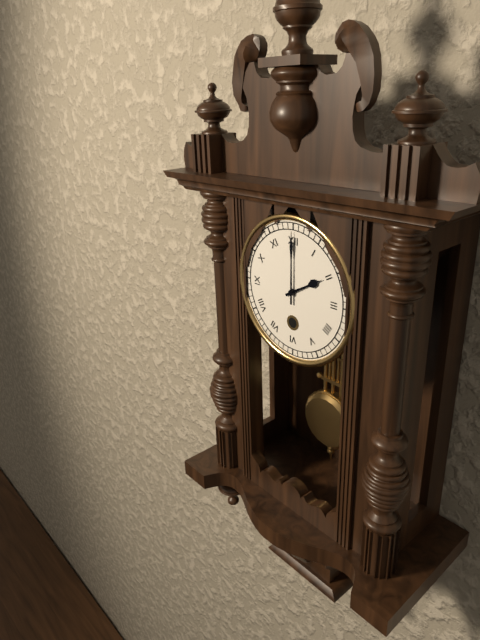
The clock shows h=2 m=0
